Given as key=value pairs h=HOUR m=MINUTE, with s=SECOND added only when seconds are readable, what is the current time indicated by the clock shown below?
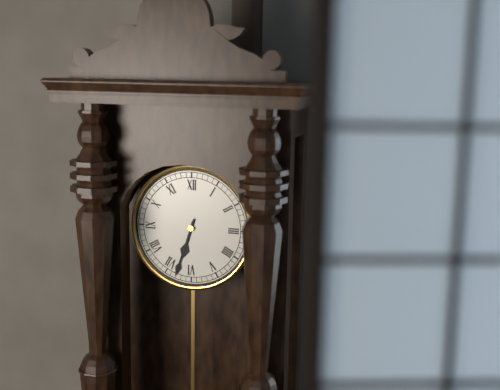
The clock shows h=6 m=33
